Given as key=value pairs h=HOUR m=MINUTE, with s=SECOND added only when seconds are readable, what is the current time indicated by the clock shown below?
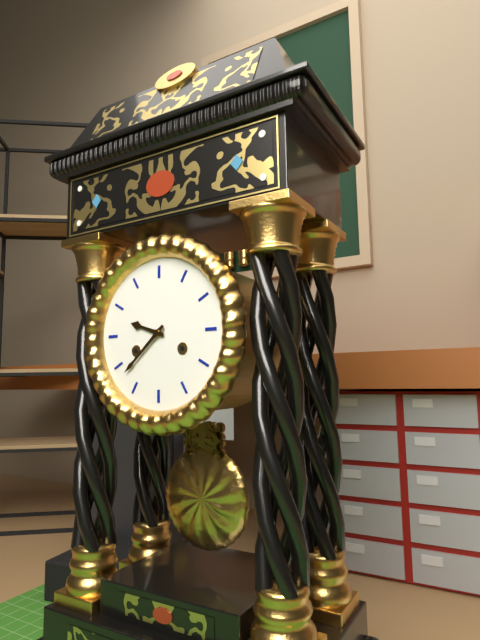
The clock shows h=9 m=38
